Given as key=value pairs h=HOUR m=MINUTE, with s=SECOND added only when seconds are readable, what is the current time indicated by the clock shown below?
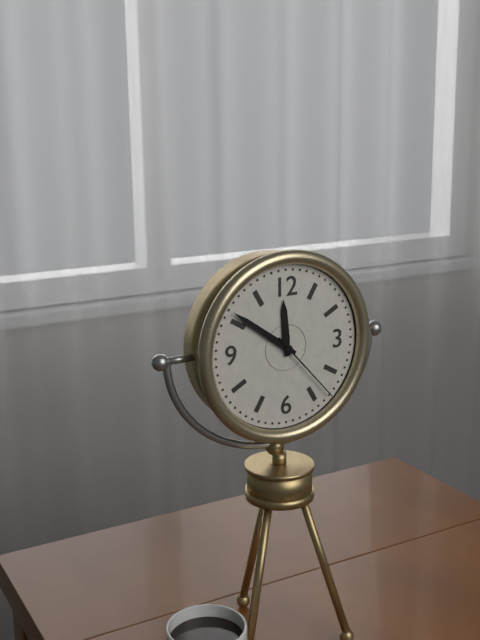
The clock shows h=11 m=51 s=23
